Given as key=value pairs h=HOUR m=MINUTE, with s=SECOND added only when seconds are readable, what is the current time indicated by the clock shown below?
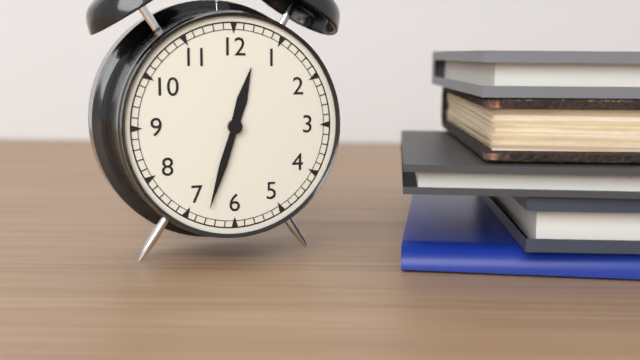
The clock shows h=12 m=33
